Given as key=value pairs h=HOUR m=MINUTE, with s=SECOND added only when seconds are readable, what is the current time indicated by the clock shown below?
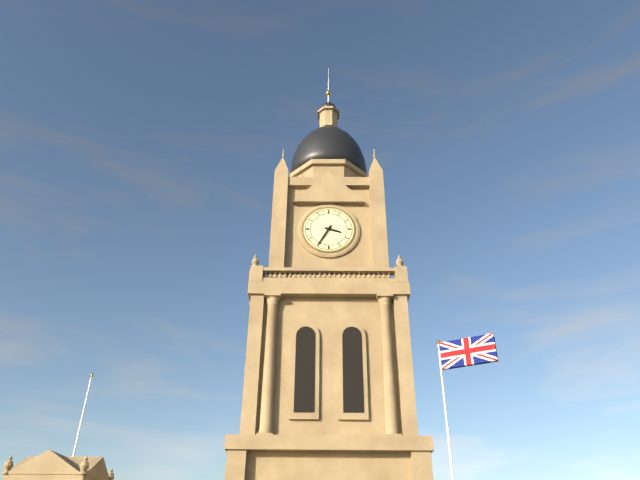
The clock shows h=3 m=35
